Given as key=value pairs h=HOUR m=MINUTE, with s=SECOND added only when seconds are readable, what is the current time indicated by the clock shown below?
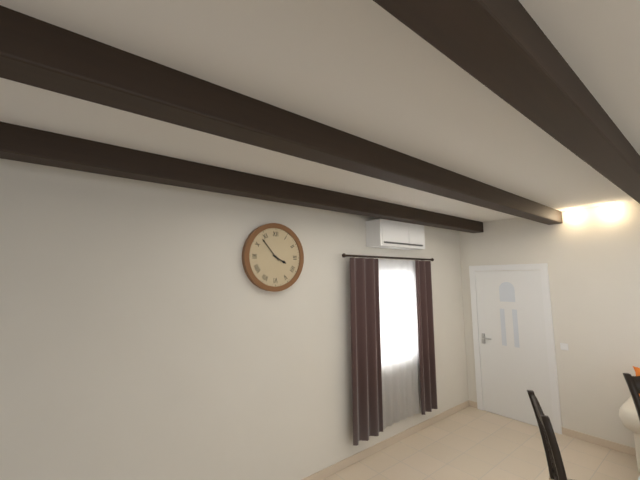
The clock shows h=3 m=53
